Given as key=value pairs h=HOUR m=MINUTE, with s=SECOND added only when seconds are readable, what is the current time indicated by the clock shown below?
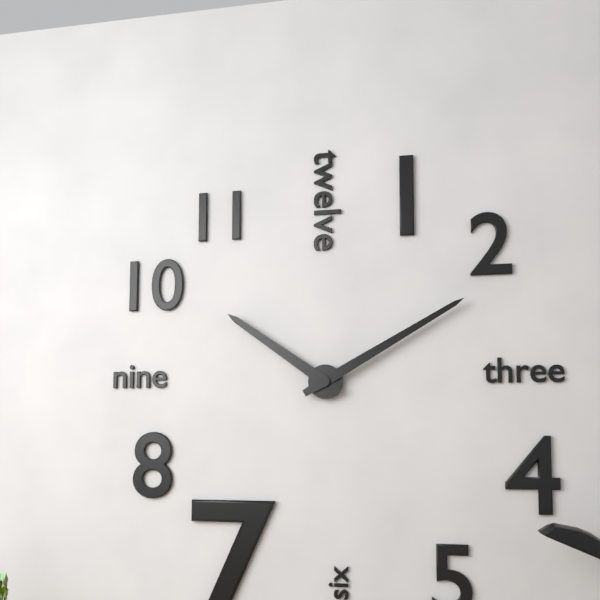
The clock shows h=10 m=10
